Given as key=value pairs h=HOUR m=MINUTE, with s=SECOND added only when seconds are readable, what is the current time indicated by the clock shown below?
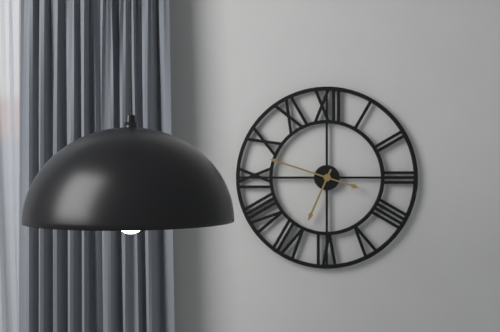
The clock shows h=6 m=48
